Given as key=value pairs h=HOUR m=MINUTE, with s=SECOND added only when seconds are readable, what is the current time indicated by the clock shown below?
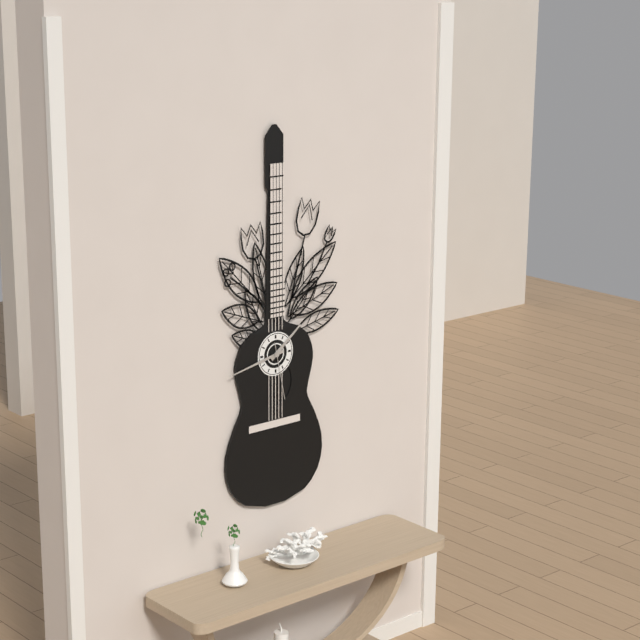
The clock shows h=1 m=43 s=28
